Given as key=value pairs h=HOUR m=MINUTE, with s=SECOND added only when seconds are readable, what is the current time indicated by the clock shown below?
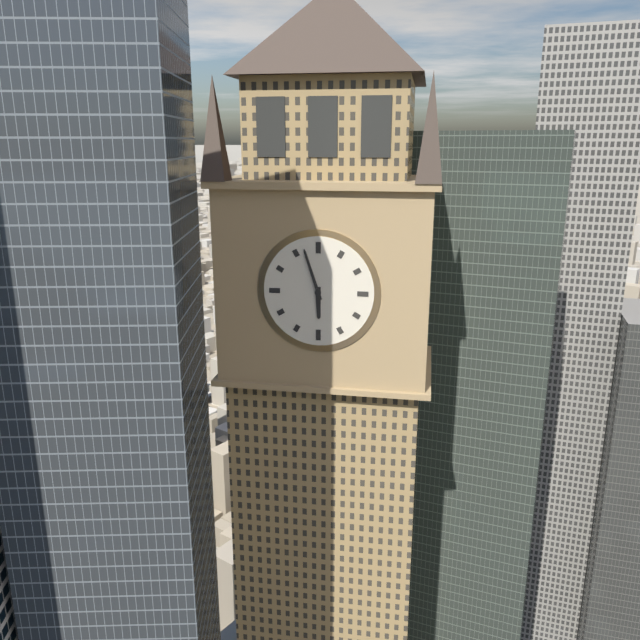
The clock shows h=5 m=57
